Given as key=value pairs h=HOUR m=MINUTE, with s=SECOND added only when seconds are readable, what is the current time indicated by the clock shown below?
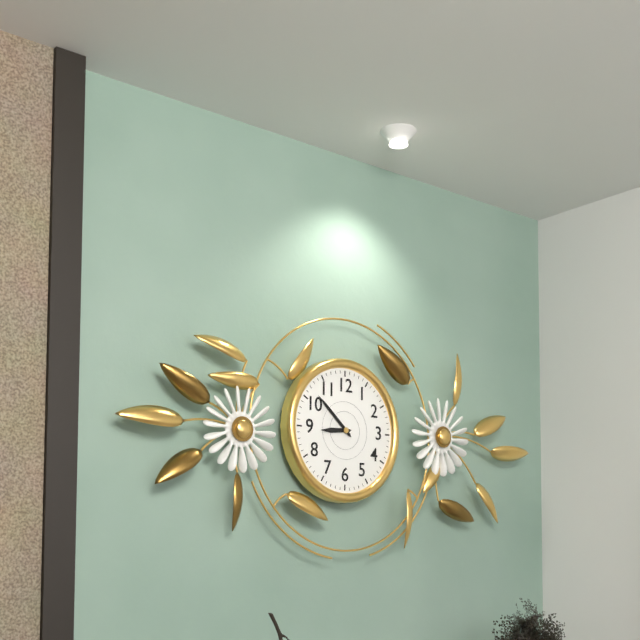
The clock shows h=8 m=52
